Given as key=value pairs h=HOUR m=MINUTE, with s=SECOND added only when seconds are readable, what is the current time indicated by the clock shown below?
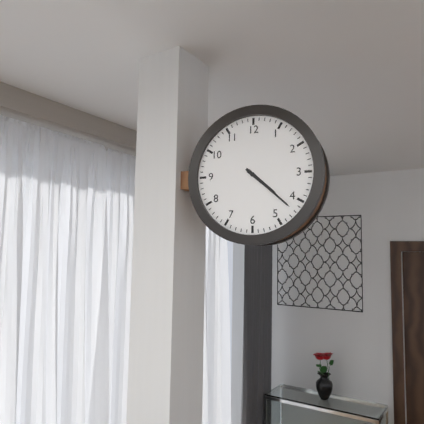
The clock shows h=4 m=22
